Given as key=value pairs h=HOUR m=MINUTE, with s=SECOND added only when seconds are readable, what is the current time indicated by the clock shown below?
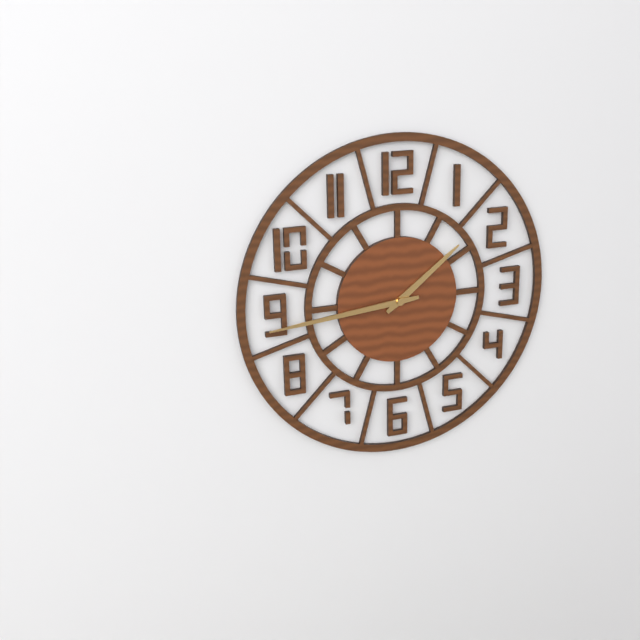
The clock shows h=1 m=44
